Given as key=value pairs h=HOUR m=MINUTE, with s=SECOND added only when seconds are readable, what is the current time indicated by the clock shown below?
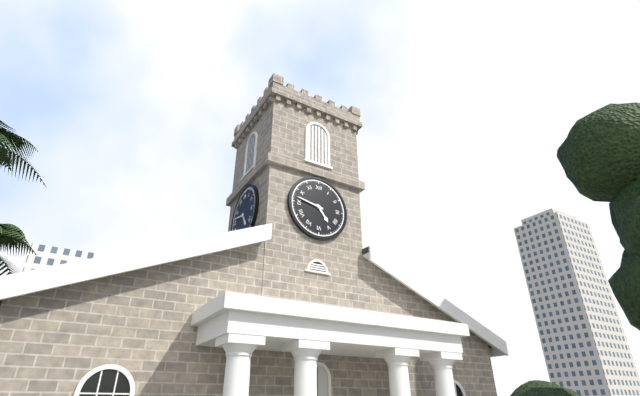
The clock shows h=4 m=47
